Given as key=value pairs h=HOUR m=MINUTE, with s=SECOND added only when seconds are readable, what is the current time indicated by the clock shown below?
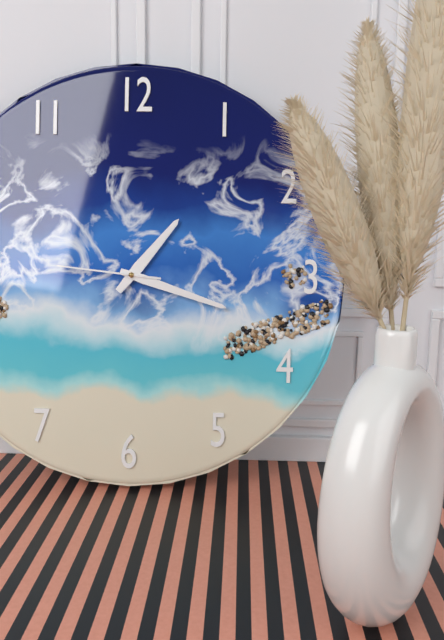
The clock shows h=1 m=18 s=46
